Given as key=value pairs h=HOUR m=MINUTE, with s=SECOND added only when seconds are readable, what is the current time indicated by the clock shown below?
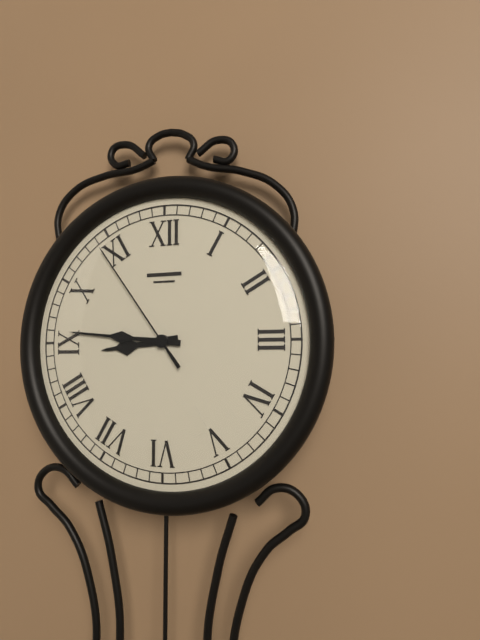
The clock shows h=8 m=46 s=54
